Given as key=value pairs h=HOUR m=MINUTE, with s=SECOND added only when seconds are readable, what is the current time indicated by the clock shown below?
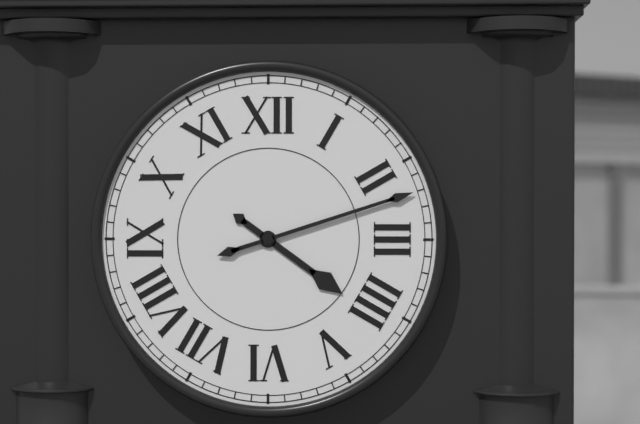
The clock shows h=4 m=12
